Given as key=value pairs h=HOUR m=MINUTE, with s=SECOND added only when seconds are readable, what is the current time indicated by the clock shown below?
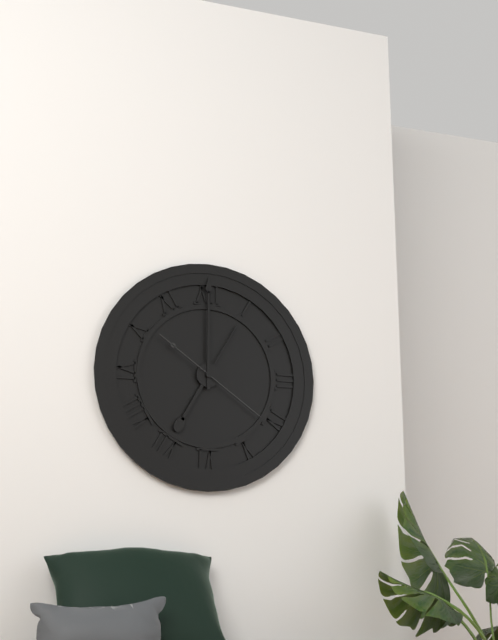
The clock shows h=7 m=0 s=21
